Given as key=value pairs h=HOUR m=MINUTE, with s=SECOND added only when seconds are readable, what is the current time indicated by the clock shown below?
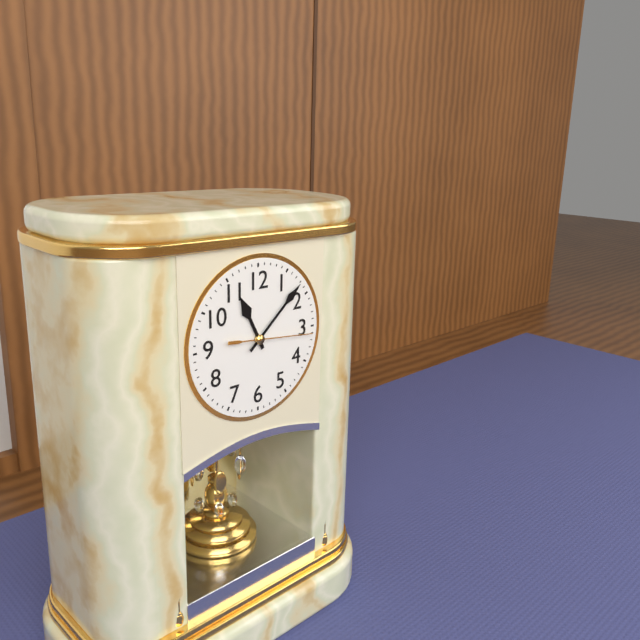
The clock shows h=11 m=8 s=16
